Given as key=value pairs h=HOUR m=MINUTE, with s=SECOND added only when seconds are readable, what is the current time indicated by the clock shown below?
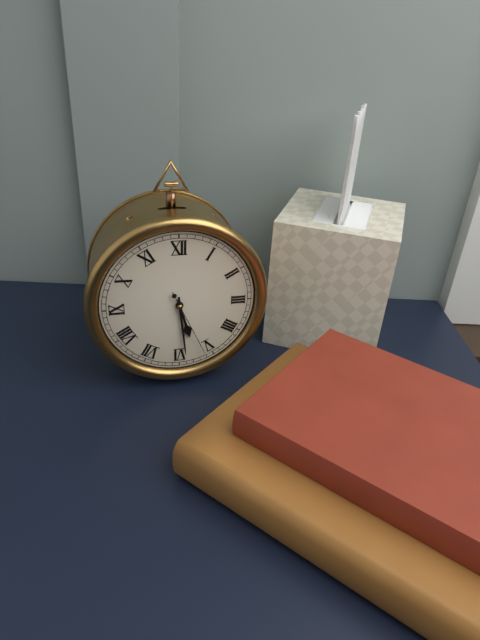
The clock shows h=5 m=29 s=26
